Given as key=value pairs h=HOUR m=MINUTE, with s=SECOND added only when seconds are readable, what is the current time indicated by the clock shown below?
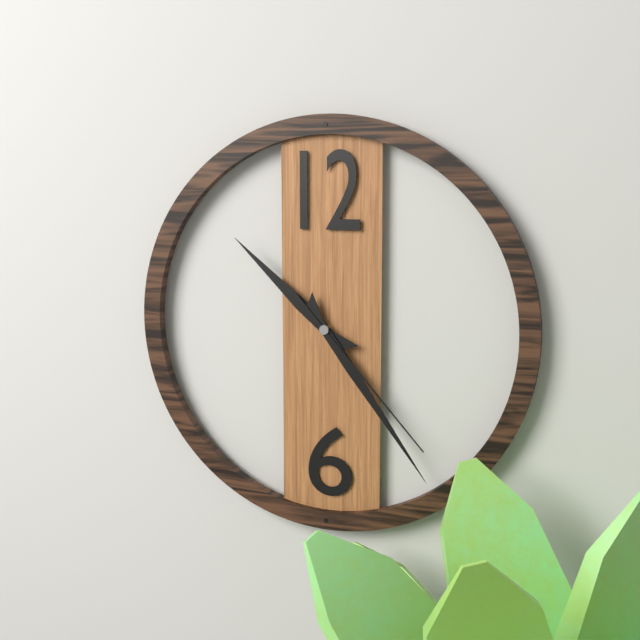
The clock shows h=10 m=24 s=23
